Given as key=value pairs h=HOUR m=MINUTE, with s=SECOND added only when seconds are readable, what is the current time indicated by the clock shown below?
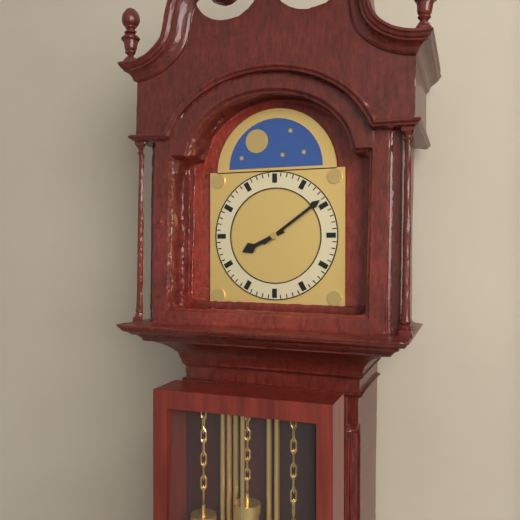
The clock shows h=8 m=9
